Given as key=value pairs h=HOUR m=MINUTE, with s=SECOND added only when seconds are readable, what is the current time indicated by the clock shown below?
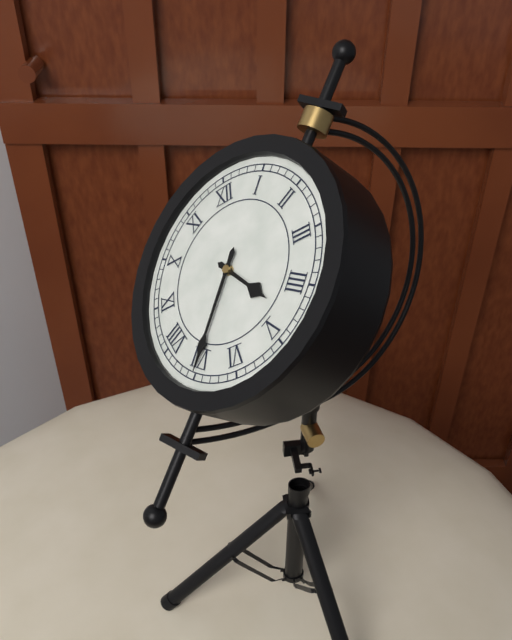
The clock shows h=4 m=35
